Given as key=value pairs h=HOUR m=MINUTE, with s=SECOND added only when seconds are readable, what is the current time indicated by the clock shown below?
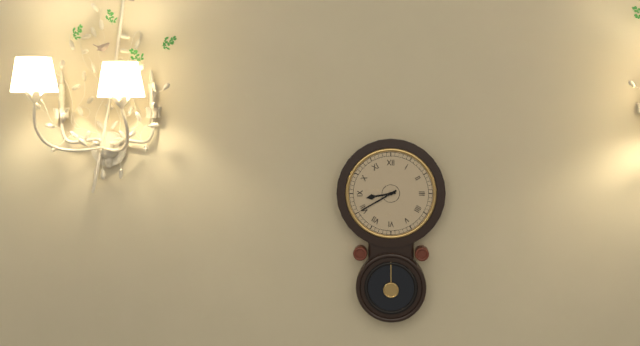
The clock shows h=8 m=40
